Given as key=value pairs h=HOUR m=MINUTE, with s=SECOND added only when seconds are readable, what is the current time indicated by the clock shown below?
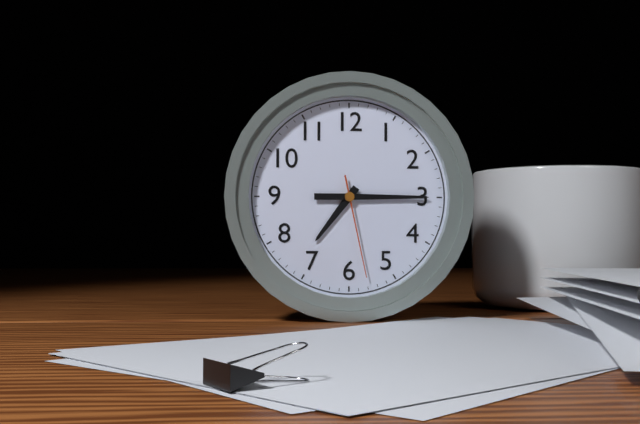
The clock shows h=7 m=15 s=28
